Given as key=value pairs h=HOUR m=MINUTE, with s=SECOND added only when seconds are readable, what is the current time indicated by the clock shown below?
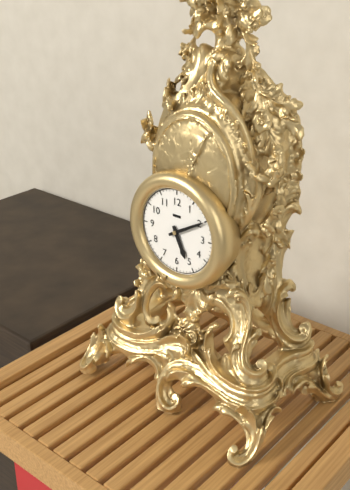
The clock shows h=5 m=10
